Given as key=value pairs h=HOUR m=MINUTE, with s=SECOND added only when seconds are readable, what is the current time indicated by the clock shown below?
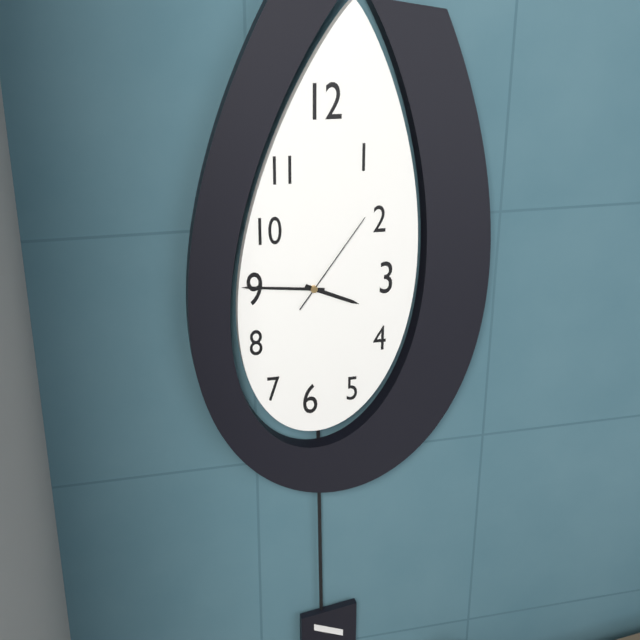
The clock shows h=3 m=46 s=6
